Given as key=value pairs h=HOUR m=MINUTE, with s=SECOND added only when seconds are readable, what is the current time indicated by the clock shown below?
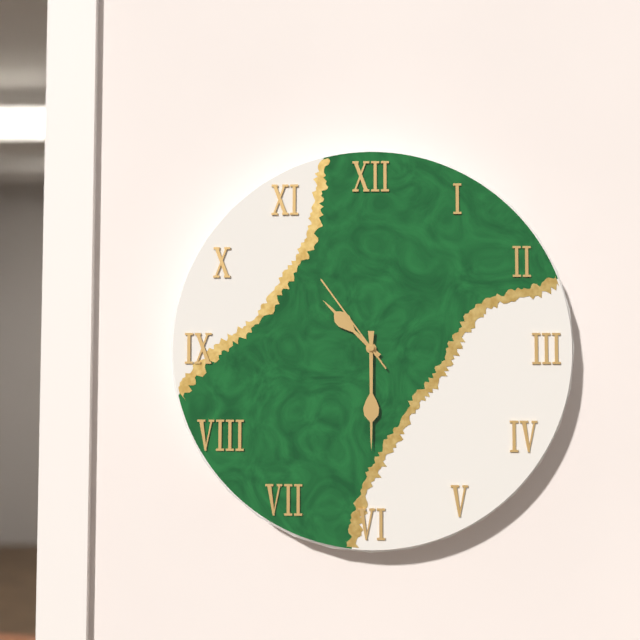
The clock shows h=10 m=30 s=54
